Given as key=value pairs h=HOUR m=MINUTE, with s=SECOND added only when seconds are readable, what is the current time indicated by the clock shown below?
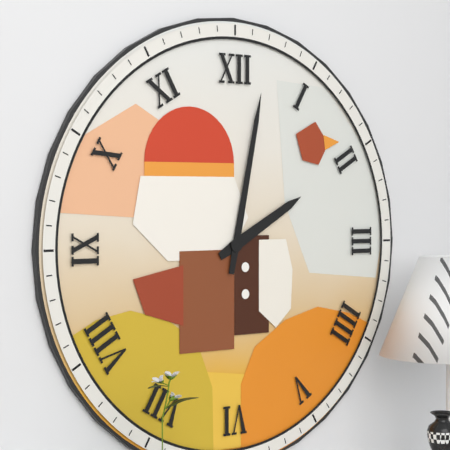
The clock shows h=2 m=2
